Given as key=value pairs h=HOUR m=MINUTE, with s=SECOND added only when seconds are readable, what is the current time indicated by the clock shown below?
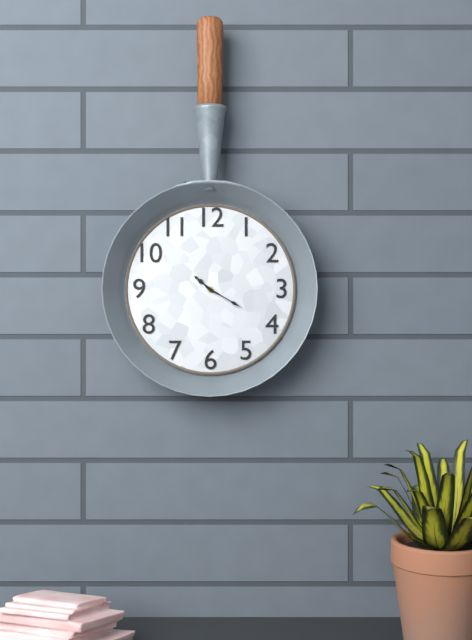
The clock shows h=10 m=20
